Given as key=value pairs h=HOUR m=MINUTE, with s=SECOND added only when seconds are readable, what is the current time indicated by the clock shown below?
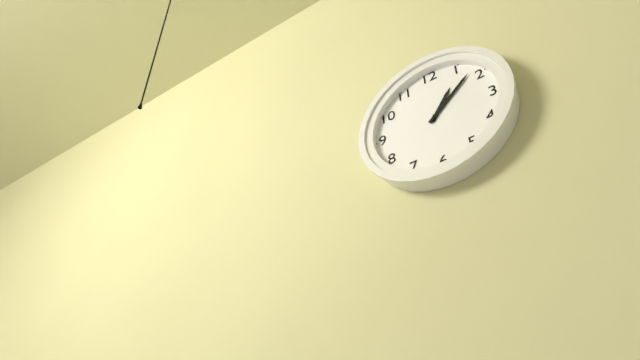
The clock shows h=1 m=8
